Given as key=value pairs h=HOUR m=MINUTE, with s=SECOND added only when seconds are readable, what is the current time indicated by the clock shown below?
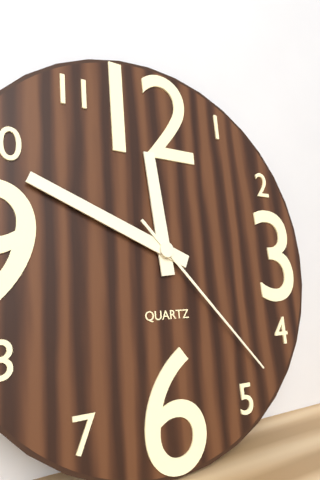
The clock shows h=11 m=49 s=23
